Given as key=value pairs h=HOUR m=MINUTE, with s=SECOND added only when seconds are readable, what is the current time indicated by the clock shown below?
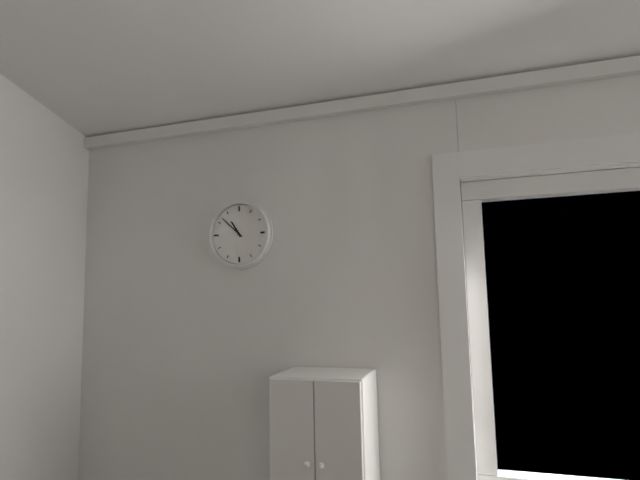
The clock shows h=10 m=52
